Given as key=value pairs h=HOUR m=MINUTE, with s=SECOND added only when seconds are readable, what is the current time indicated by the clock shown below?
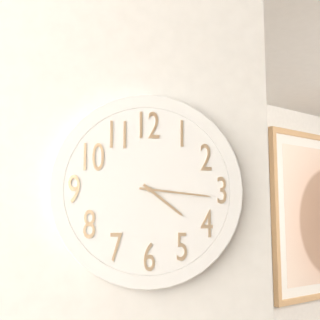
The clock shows h=4 m=16
